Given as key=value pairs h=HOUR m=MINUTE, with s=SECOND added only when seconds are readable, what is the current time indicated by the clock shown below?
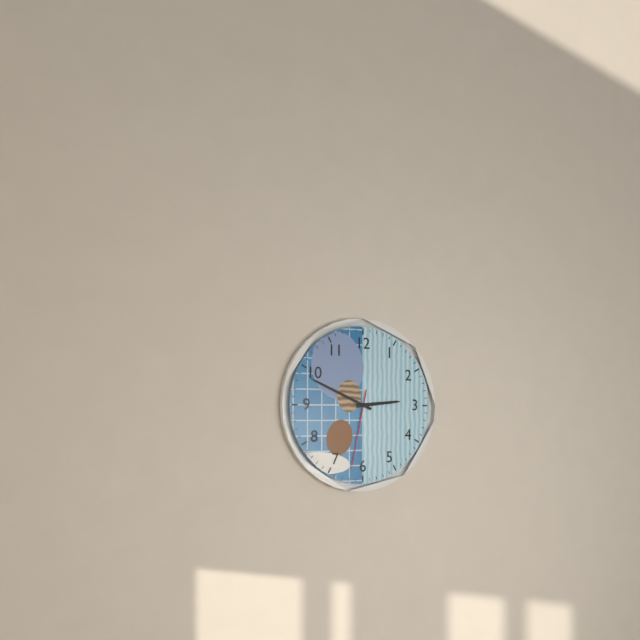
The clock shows h=2 m=49 s=32
